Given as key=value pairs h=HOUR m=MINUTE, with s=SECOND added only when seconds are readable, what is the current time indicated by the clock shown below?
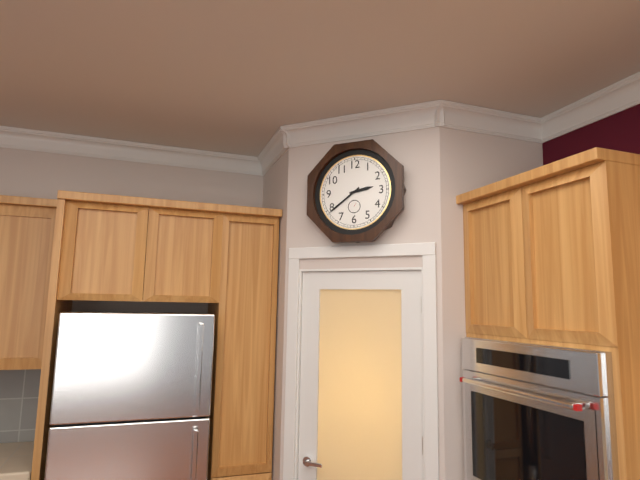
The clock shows h=2 m=39
